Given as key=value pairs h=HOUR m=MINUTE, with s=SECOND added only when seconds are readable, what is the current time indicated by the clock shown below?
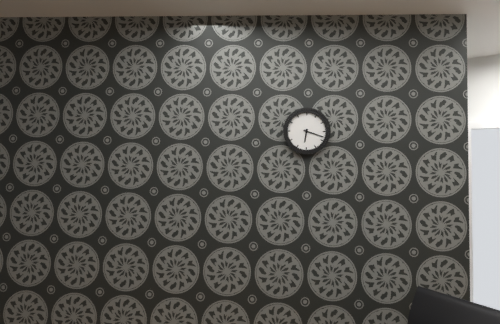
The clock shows h=6 m=18
